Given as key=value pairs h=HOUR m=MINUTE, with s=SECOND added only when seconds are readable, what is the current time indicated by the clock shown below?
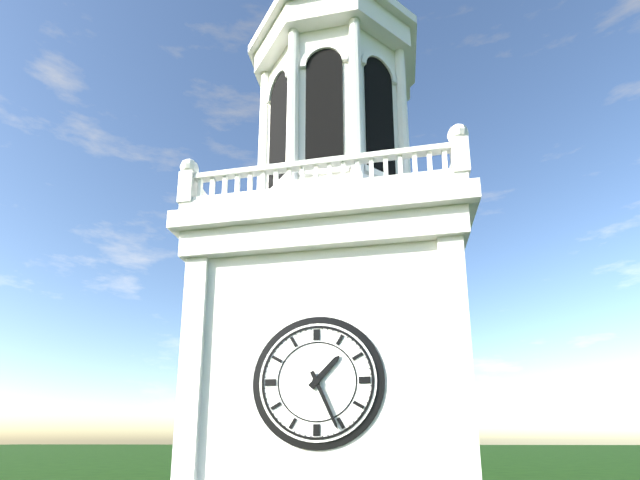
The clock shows h=1 m=26
